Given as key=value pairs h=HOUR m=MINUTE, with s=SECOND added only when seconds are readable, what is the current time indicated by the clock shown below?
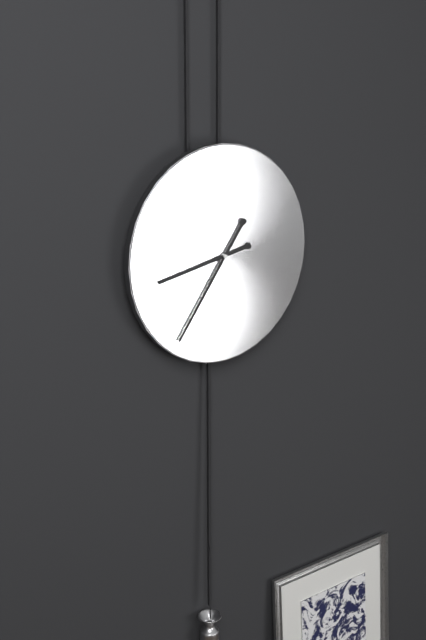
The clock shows h=8 m=36
